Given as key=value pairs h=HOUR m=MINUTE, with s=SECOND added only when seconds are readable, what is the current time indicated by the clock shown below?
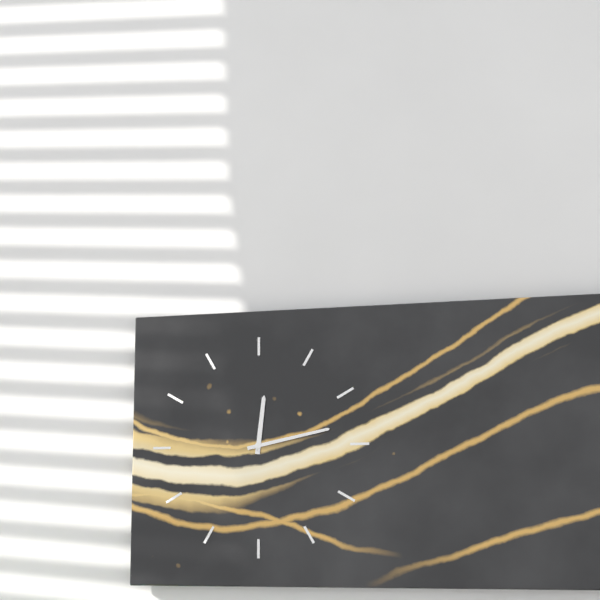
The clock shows h=12 m=13
